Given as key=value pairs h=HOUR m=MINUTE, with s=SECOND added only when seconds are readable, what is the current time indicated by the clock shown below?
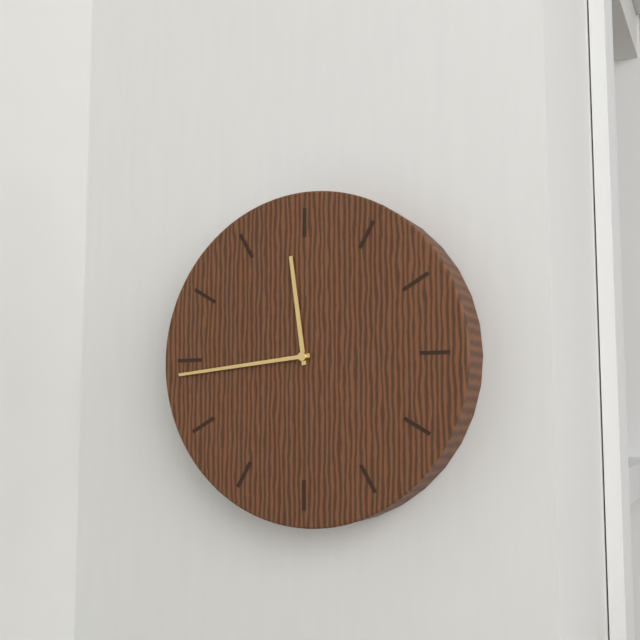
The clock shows h=11 m=44
